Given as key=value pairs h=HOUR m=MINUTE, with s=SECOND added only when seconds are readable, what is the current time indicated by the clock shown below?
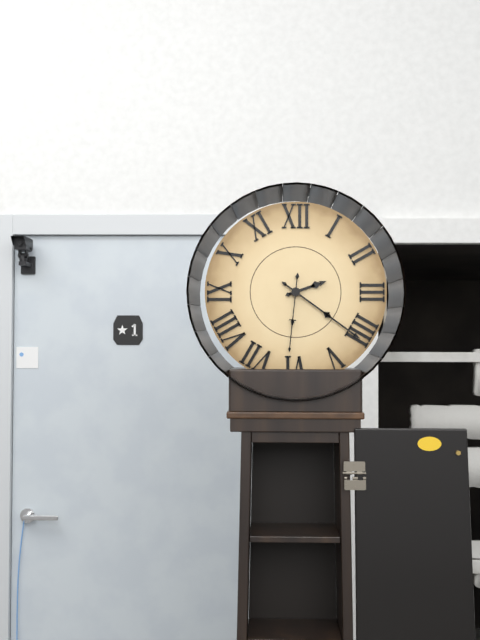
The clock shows h=2 m=21 s=31
